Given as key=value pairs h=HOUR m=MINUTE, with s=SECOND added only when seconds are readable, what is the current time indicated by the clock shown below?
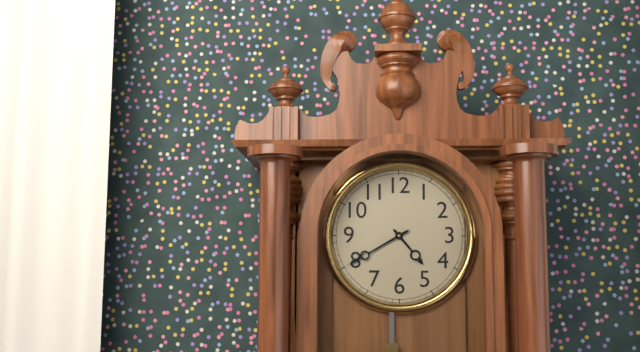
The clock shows h=4 m=40
